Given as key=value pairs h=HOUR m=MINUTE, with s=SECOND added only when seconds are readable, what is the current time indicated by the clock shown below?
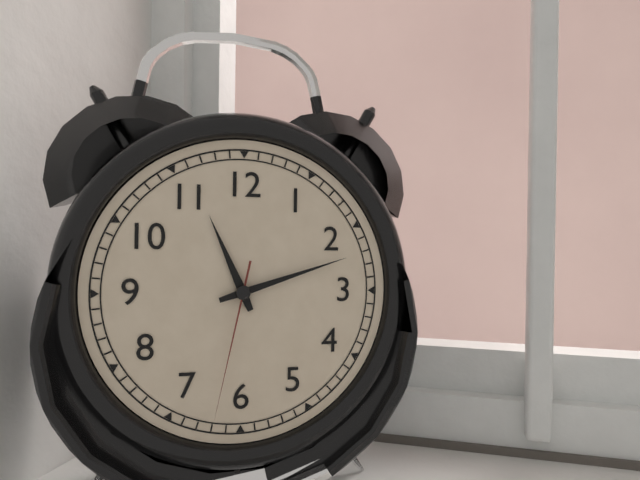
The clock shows h=11 m=12 s=32
